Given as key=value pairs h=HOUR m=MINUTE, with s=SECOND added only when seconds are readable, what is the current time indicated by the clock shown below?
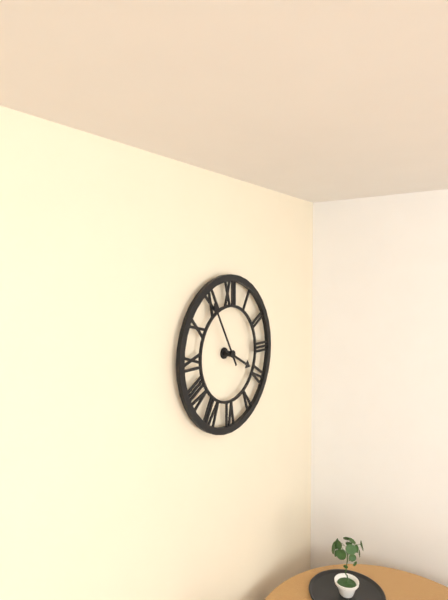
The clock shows h=3 m=55
